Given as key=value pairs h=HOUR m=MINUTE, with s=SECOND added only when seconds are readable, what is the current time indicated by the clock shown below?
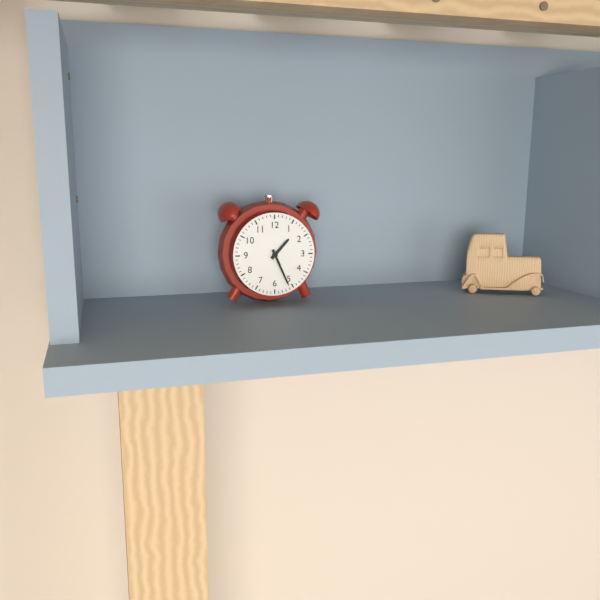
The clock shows h=1 m=26
